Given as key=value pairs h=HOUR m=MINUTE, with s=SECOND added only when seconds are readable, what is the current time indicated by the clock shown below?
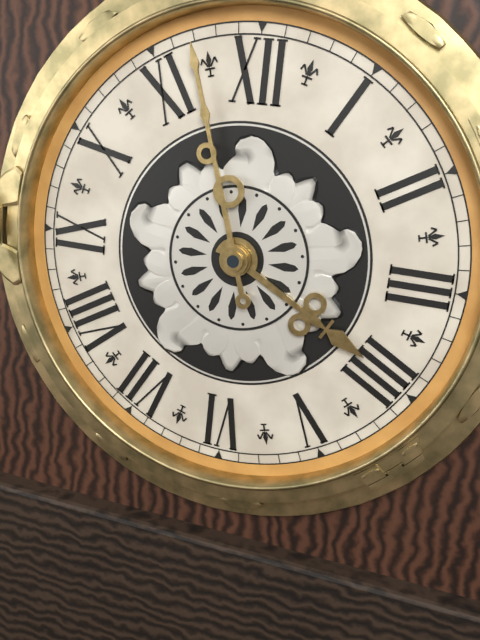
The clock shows h=3 m=57
